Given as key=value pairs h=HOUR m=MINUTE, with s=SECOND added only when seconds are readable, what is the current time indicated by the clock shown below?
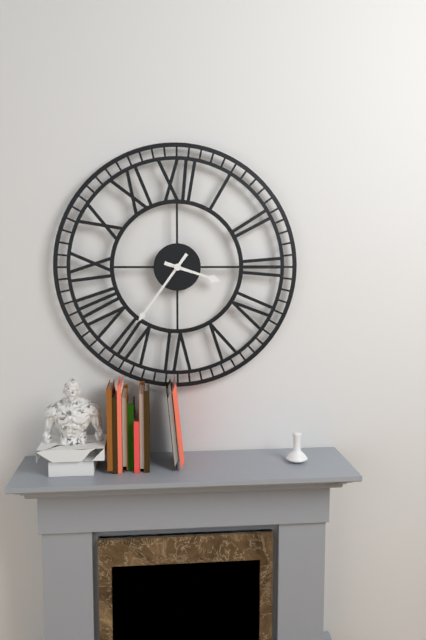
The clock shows h=3 m=36
